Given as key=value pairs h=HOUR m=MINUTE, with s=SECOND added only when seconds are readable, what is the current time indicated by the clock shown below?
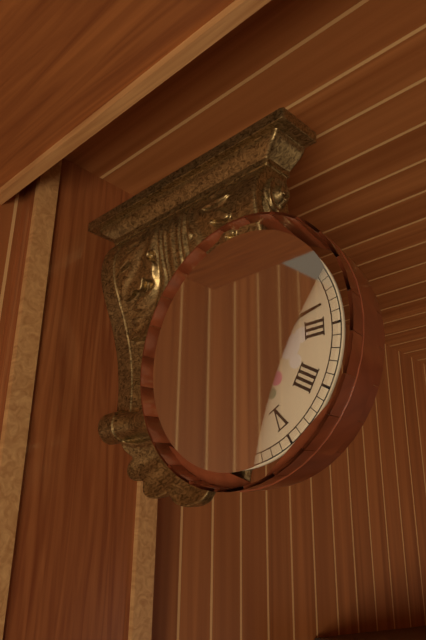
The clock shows h=8 m=13
